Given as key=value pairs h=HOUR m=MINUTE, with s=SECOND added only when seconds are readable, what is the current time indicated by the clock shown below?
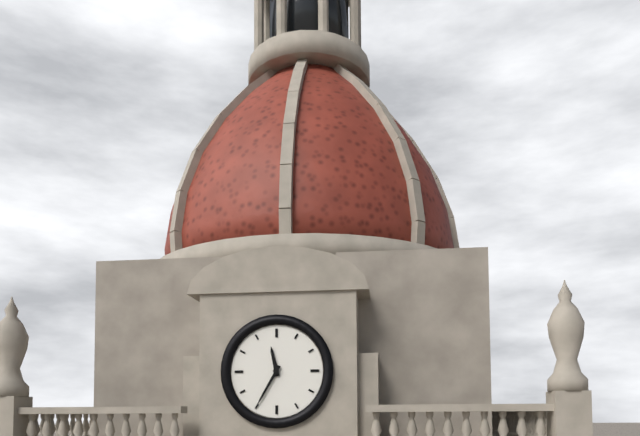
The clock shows h=11 m=35
